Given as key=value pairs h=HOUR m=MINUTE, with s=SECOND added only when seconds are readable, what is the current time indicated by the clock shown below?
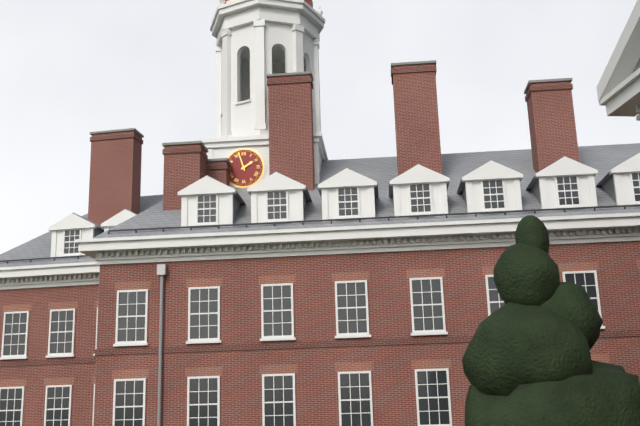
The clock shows h=1 m=57
